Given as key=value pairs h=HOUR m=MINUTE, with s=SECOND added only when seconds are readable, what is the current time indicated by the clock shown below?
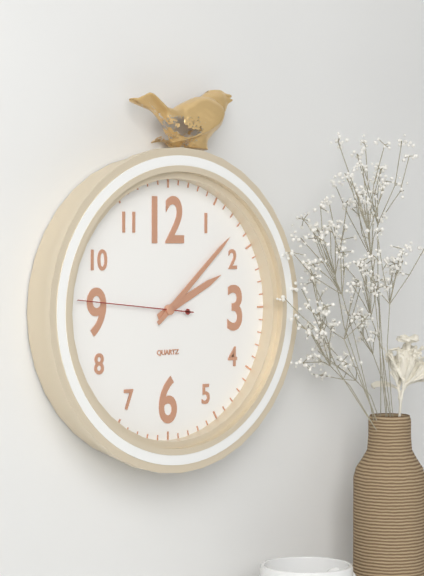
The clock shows h=2 m=8 s=46
